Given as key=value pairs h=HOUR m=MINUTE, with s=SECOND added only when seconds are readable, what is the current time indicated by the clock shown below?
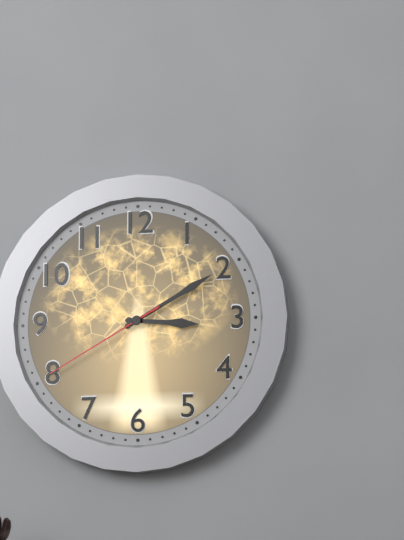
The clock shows h=3 m=10 s=40
